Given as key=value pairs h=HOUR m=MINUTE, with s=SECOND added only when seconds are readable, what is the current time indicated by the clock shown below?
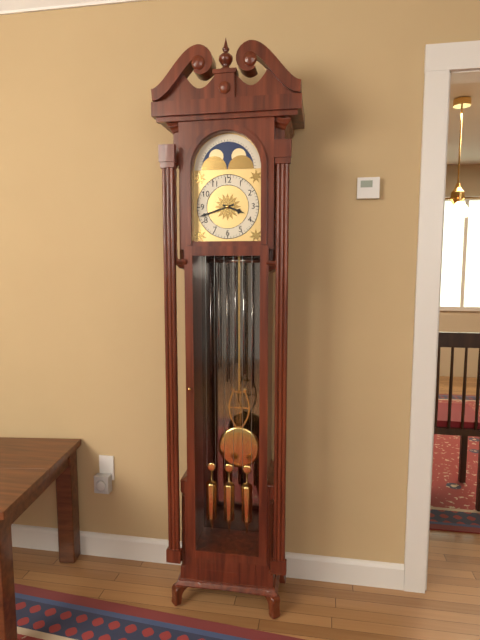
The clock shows h=3 m=42
